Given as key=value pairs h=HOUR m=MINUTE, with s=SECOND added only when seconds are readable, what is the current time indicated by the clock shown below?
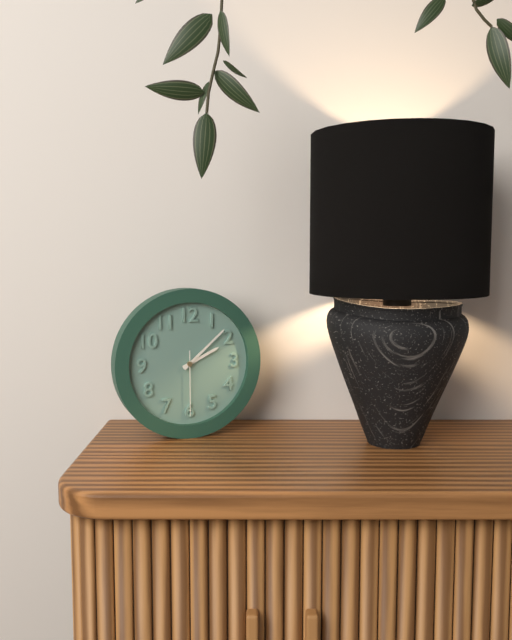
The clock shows h=2 m=8 s=30
